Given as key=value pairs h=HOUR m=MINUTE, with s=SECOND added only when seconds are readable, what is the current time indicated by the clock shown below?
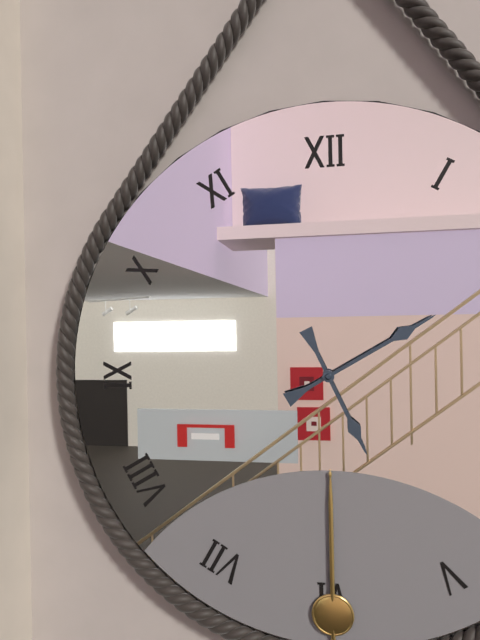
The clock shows h=5 m=10
